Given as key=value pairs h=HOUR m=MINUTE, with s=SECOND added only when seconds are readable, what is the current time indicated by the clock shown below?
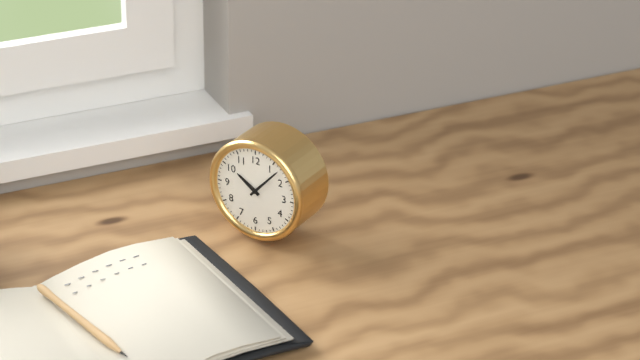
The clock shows h=10 m=7
